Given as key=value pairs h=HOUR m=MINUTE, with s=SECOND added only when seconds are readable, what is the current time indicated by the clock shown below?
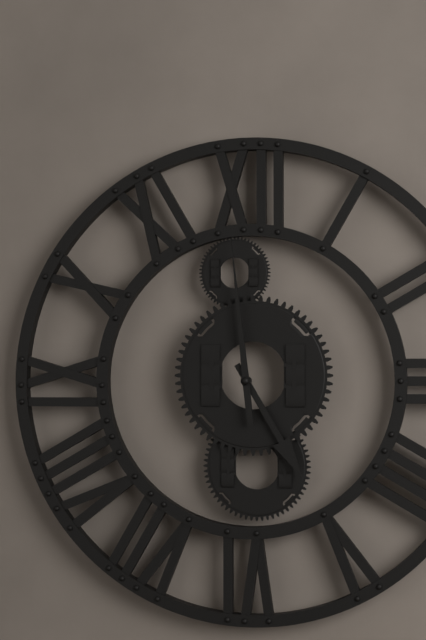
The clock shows h=4 m=59
